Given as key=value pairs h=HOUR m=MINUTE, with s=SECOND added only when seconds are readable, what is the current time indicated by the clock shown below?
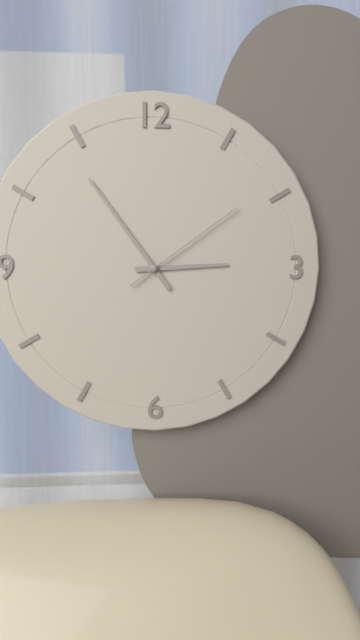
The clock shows h=2 m=54 s=9
